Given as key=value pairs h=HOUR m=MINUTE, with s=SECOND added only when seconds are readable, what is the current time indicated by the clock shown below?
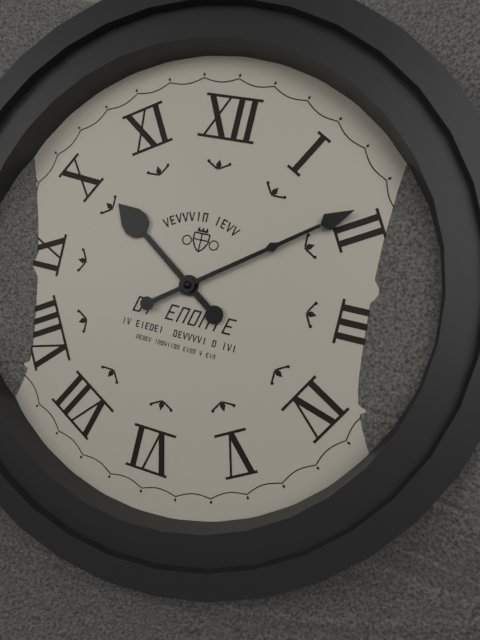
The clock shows h=10 m=9
